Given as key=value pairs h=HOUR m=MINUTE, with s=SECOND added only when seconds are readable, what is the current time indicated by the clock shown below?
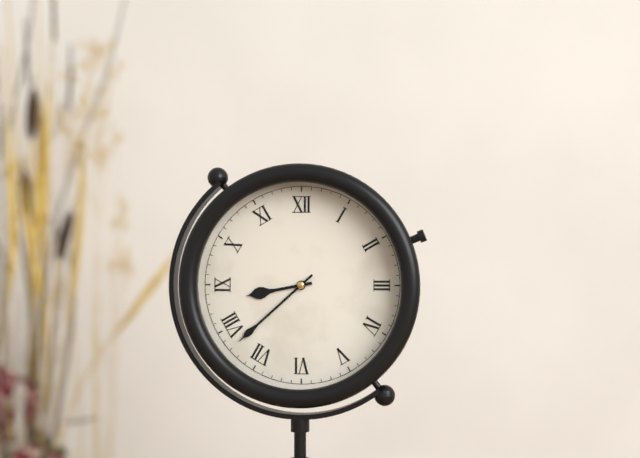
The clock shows h=8 m=38
